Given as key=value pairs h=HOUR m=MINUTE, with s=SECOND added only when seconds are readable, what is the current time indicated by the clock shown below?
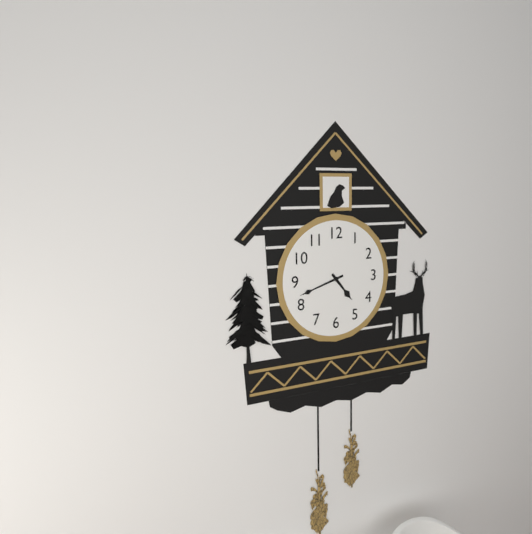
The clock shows h=4 m=42
